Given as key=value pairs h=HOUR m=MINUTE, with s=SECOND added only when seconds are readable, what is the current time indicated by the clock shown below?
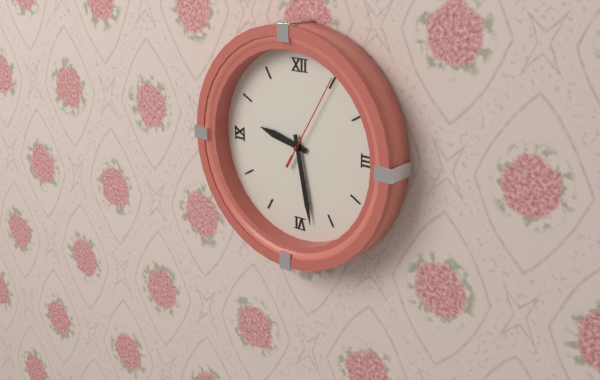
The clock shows h=9 m=28 s=5
